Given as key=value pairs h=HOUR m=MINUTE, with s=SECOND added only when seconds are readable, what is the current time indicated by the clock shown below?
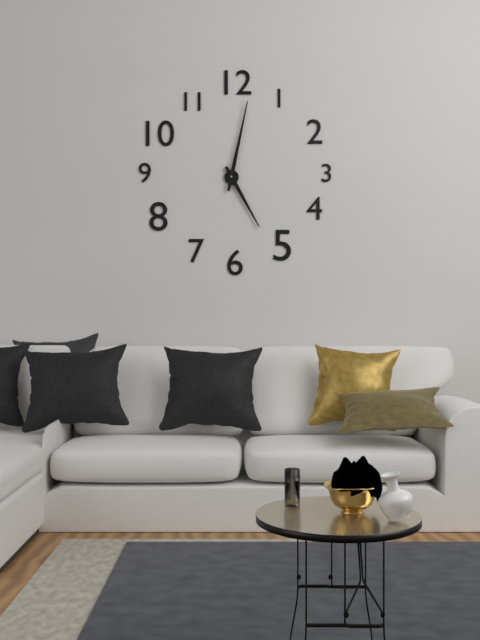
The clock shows h=5 m=2
